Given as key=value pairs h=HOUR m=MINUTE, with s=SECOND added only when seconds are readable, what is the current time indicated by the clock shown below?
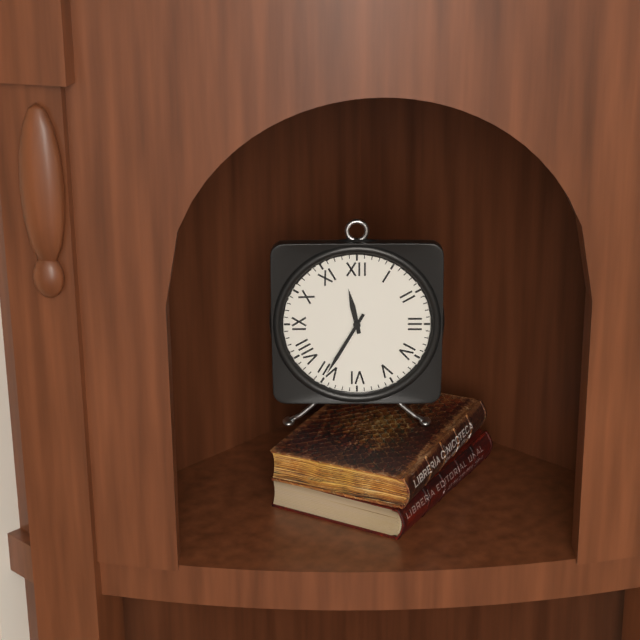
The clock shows h=11 m=35
